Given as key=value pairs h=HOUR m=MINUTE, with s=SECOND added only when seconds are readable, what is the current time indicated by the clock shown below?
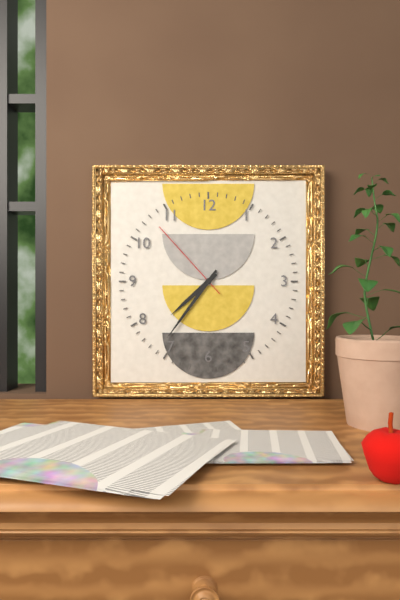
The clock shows h=7 m=36 s=53
